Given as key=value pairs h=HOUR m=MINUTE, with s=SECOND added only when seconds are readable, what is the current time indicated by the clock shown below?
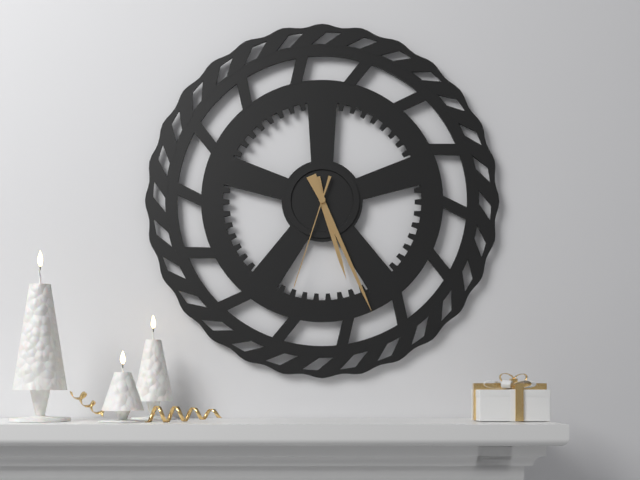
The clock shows h=5 m=26 s=33
